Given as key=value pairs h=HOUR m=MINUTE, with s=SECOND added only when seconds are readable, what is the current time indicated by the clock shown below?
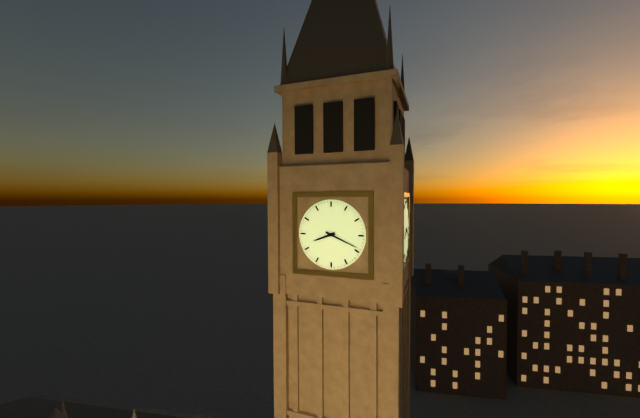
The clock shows h=8 m=19
